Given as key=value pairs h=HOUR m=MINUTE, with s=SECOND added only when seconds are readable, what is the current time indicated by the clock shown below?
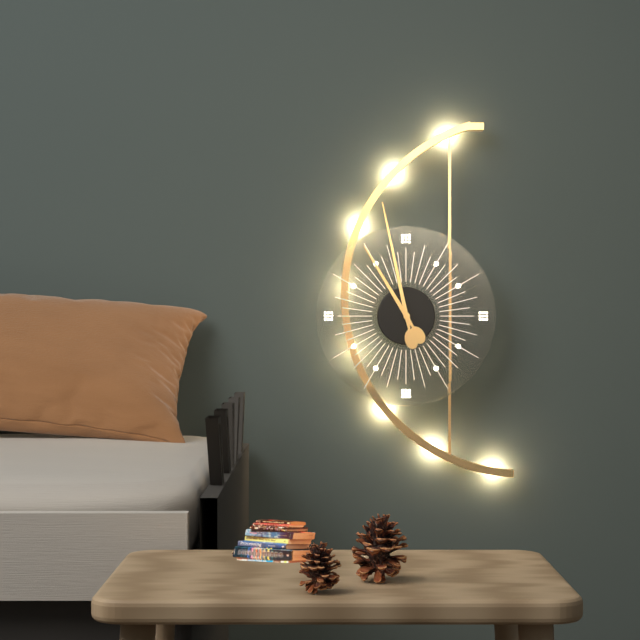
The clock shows h=10 m=58
